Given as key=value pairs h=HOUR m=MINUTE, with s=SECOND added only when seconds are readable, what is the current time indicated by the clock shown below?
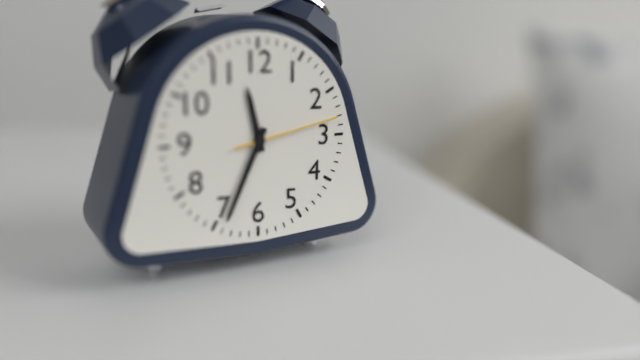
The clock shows h=11 m=34 s=13
